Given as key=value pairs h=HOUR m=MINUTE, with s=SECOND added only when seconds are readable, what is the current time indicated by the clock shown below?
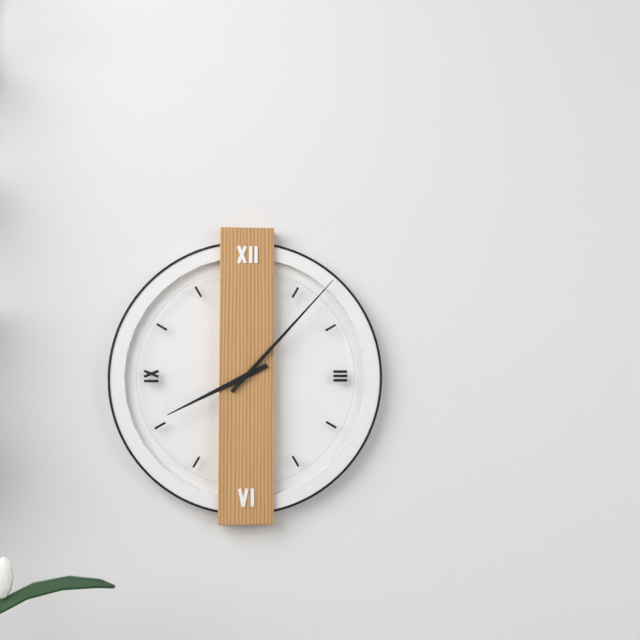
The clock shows h=8 m=7
